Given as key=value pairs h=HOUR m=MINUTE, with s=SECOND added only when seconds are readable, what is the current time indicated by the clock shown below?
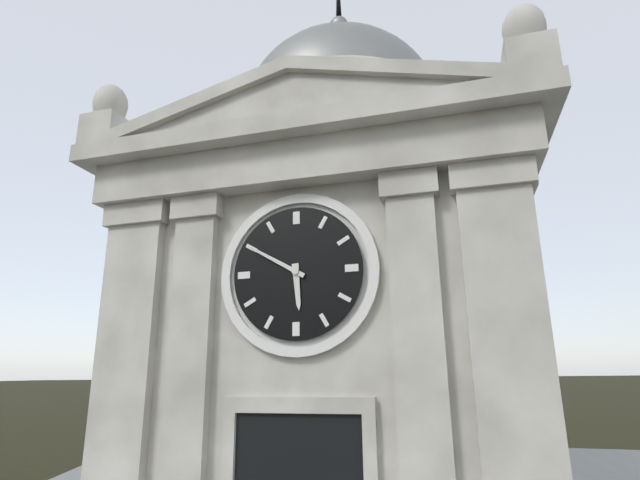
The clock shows h=5 m=50
